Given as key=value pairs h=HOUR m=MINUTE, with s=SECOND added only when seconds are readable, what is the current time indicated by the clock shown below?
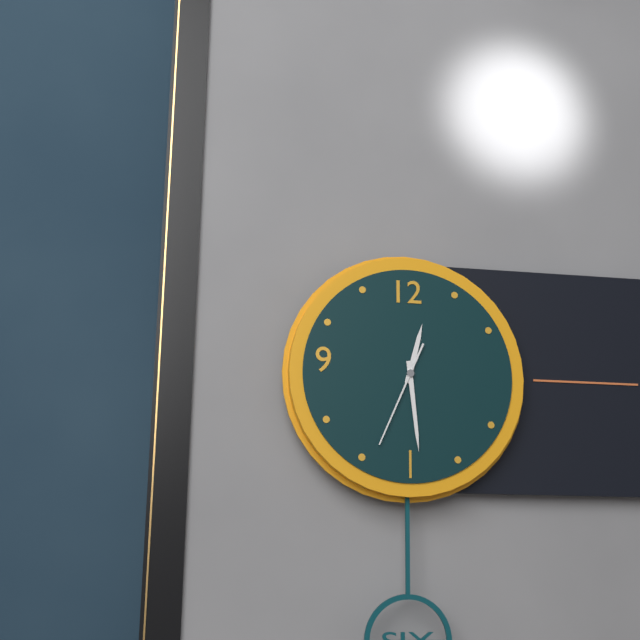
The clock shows h=12 m=29 s=34
